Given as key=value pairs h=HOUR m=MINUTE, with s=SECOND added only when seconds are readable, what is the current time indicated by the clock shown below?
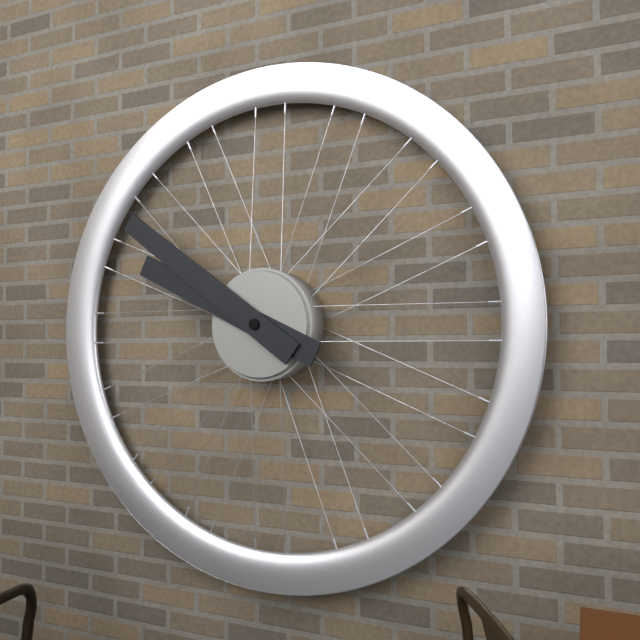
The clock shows h=9 m=51
